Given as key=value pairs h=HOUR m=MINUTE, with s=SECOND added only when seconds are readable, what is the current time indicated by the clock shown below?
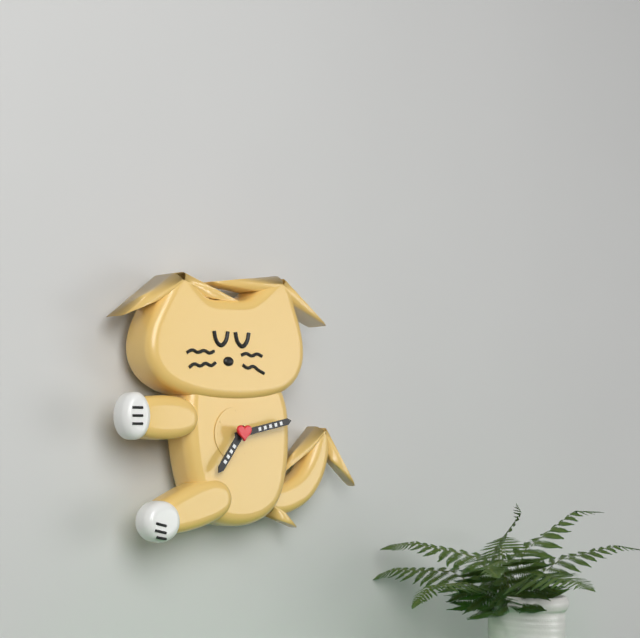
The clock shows h=7 m=13
